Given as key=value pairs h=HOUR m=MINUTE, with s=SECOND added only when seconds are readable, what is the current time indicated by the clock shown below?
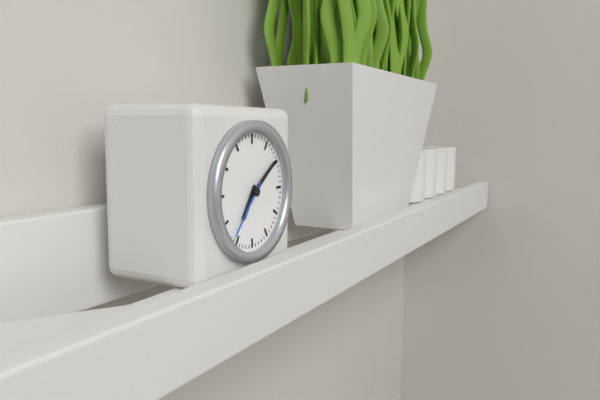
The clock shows h=7 m=9 s=37
